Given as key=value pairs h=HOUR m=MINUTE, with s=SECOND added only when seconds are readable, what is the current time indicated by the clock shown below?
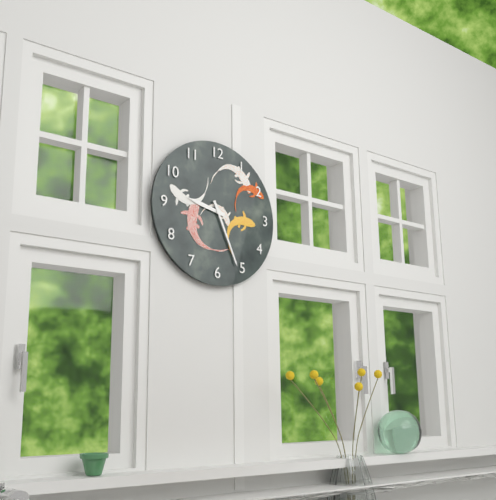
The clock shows h=9 m=26
